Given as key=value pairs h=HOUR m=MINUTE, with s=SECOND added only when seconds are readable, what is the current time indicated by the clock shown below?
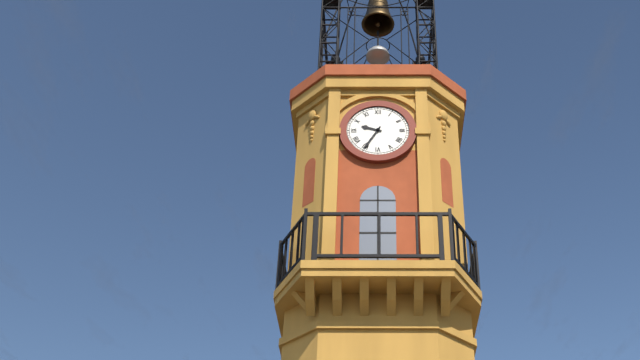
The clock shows h=9 m=35
